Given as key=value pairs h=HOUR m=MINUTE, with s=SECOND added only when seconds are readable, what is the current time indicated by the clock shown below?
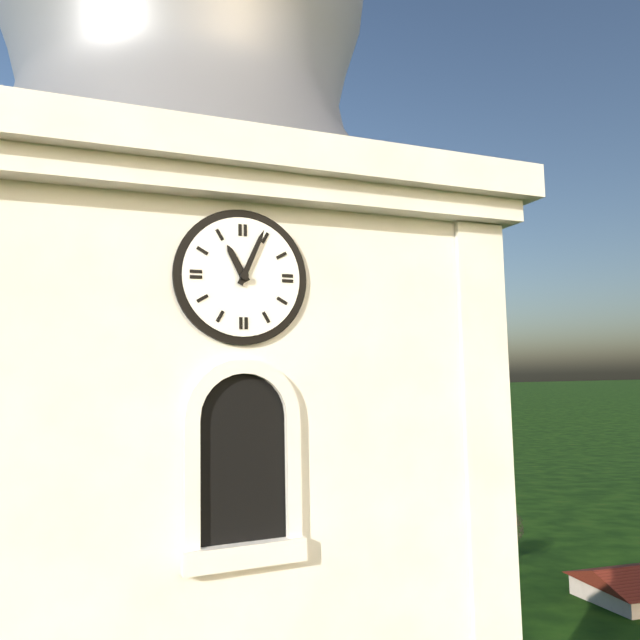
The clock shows h=11 m=4
